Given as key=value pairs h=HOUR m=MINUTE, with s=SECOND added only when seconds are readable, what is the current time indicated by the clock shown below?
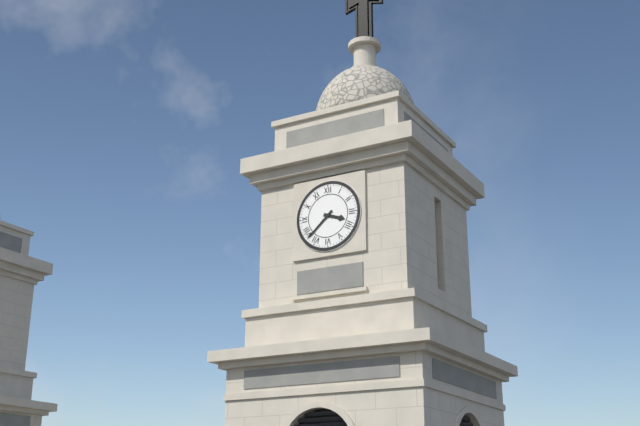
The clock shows h=3 m=38
